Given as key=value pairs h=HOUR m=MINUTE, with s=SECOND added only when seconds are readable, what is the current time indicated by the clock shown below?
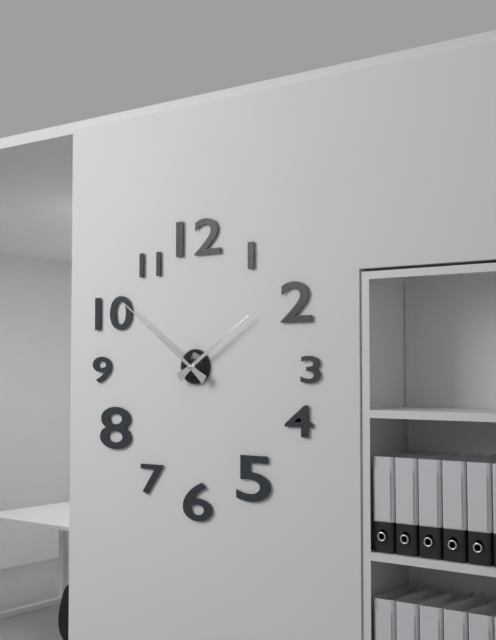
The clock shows h=1 m=51
